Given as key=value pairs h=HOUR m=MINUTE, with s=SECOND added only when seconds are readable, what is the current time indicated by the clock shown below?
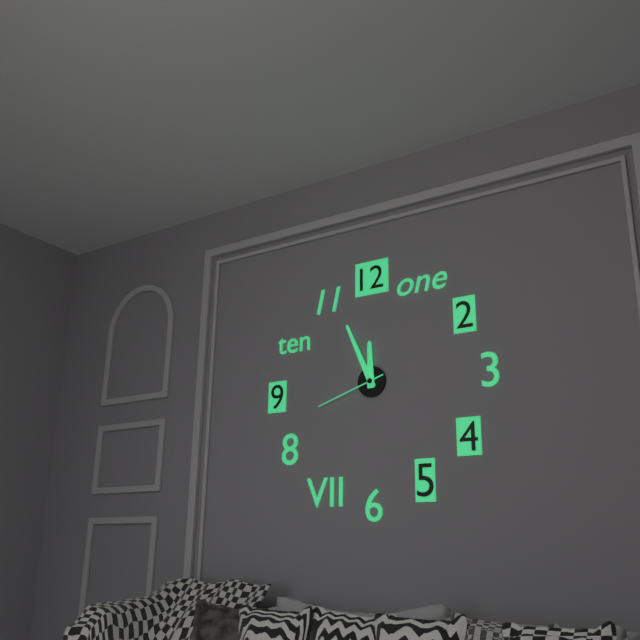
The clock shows h=11 m=56 s=42
